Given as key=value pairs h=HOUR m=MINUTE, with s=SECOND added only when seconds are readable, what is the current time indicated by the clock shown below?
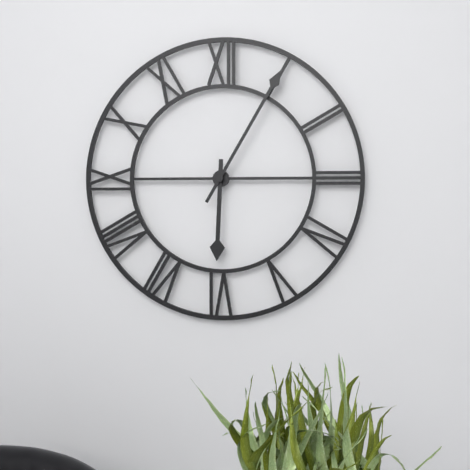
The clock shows h=6 m=5
